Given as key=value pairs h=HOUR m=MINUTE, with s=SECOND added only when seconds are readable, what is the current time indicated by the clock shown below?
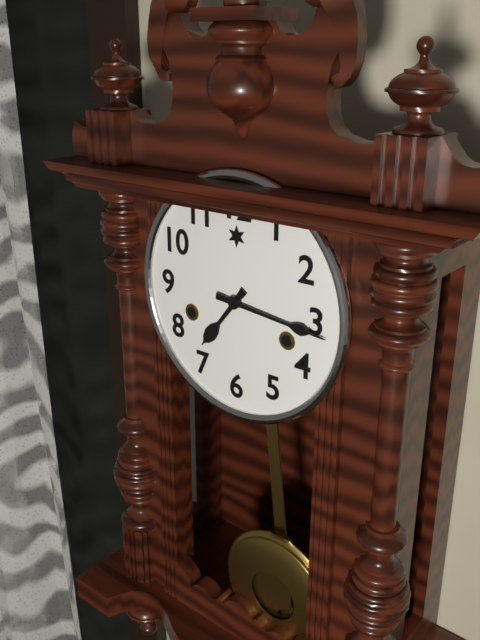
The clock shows h=7 m=16
